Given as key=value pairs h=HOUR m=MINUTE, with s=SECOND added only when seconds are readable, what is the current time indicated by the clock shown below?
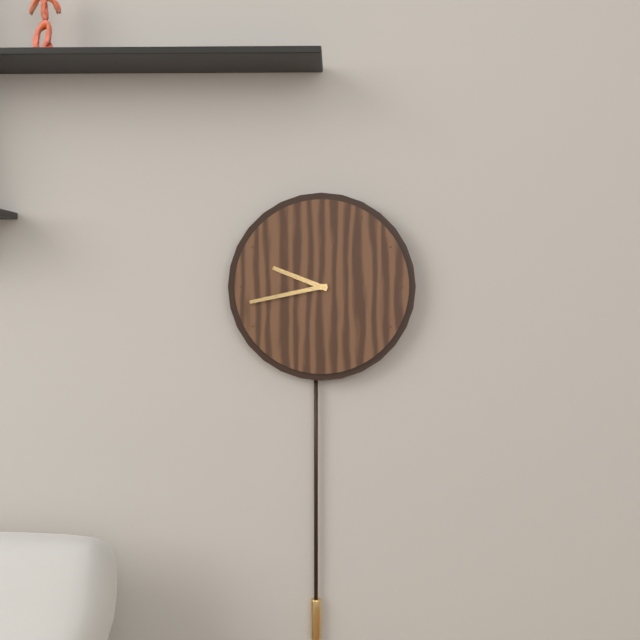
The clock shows h=9 m=43
